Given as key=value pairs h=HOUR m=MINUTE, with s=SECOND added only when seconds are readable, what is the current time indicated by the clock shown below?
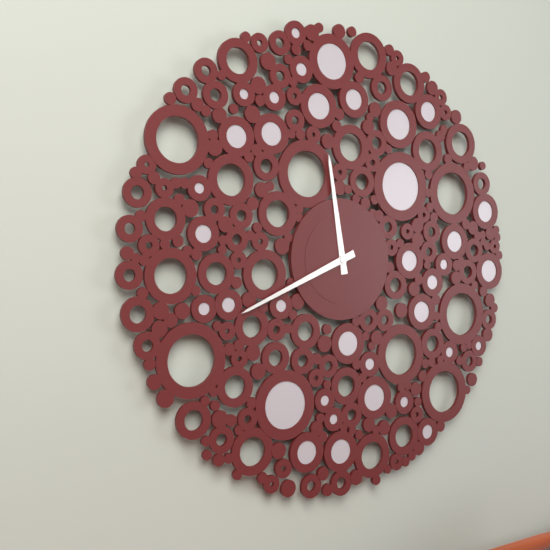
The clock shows h=11 m=41
